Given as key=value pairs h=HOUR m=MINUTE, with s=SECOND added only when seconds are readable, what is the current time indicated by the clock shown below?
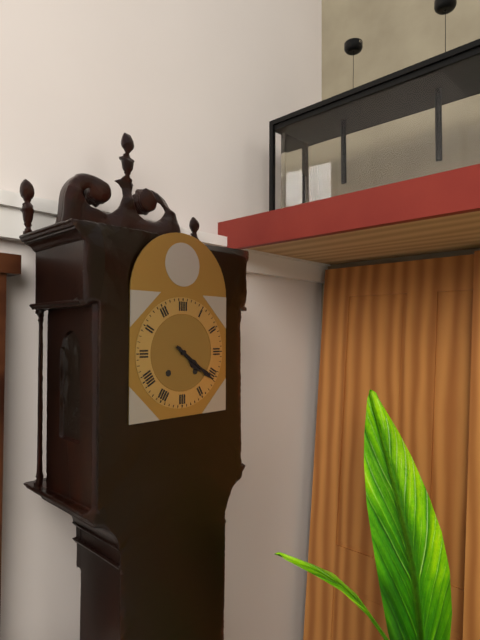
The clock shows h=4 m=21
